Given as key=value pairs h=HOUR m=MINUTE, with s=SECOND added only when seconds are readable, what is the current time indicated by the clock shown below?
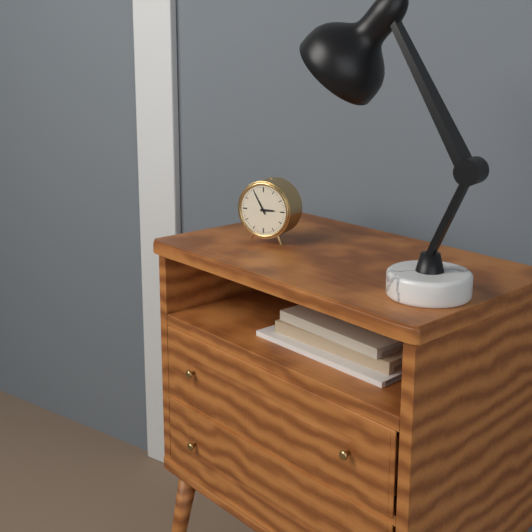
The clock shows h=2 m=55
